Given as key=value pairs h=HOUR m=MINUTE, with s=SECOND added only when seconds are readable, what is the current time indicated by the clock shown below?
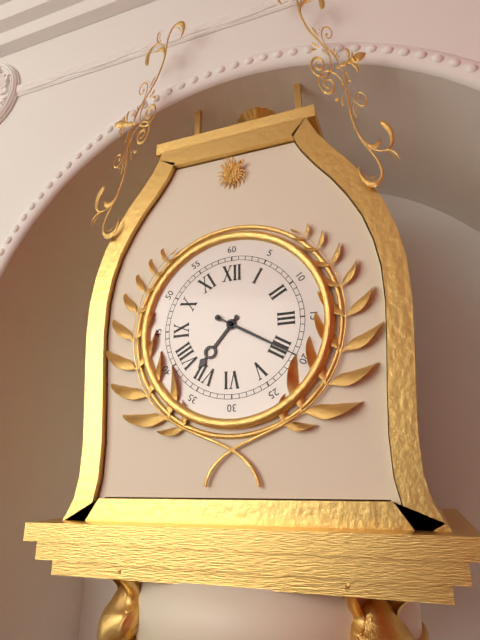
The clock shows h=7 m=20
